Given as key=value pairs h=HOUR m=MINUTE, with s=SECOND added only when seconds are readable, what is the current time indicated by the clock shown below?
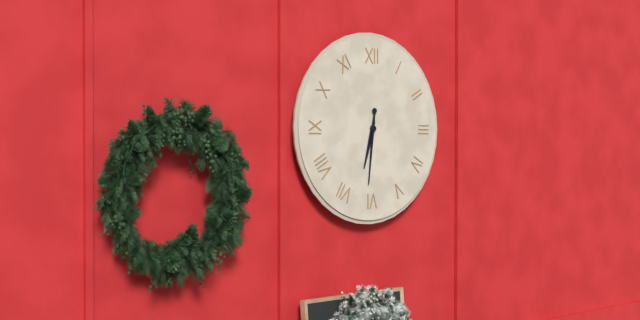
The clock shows h=6 m=31
